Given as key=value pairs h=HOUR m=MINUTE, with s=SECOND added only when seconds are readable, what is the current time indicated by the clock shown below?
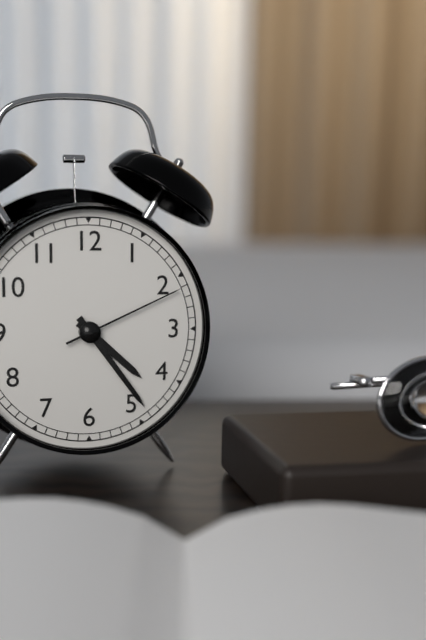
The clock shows h=4 m=24 s=11
